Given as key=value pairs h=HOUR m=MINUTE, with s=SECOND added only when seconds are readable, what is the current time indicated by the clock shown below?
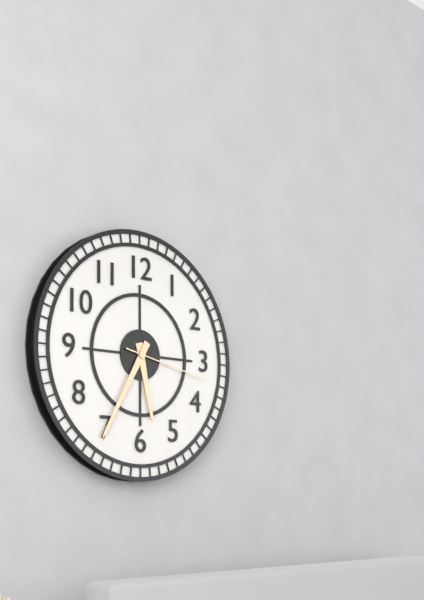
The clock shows h=5 m=35 s=17
